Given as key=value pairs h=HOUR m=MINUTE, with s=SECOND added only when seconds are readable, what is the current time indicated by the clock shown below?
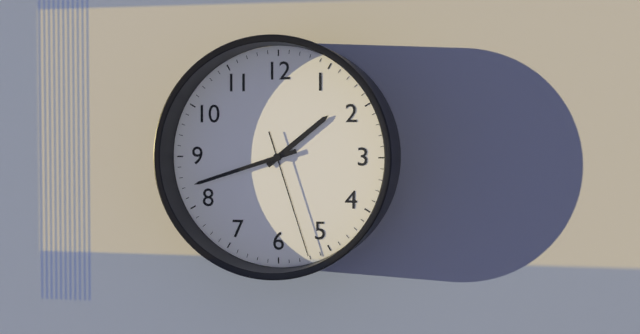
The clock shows h=1 m=42 s=27
